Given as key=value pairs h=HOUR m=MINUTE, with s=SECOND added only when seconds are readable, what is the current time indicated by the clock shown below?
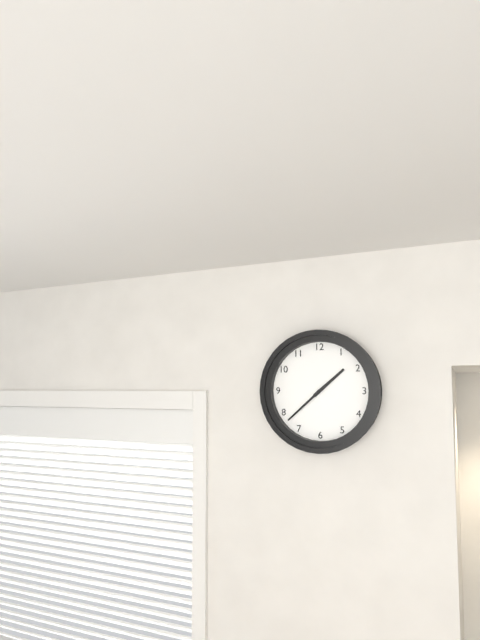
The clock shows h=1 m=38
